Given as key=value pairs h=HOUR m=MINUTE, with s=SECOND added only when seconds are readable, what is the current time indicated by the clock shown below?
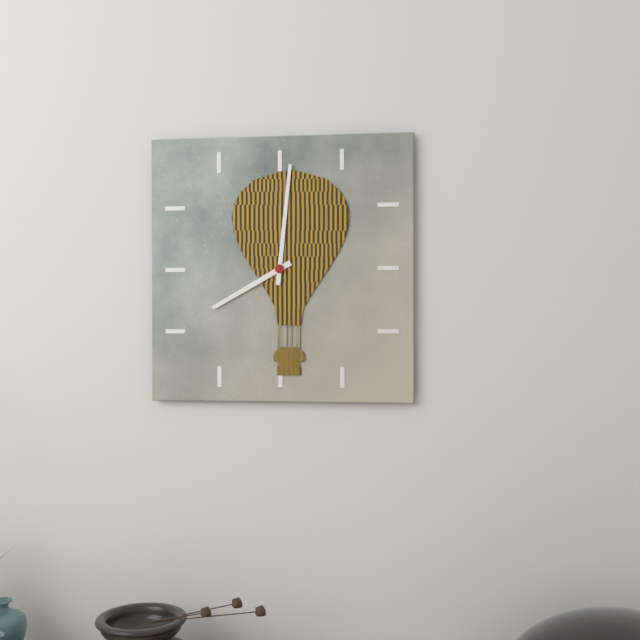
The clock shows h=8 m=1
